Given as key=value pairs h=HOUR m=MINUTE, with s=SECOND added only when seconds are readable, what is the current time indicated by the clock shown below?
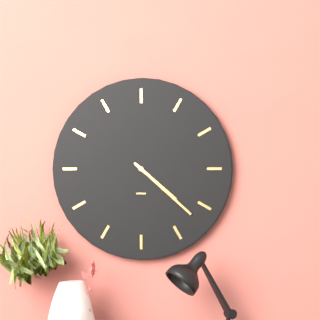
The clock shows h=4 m=22
